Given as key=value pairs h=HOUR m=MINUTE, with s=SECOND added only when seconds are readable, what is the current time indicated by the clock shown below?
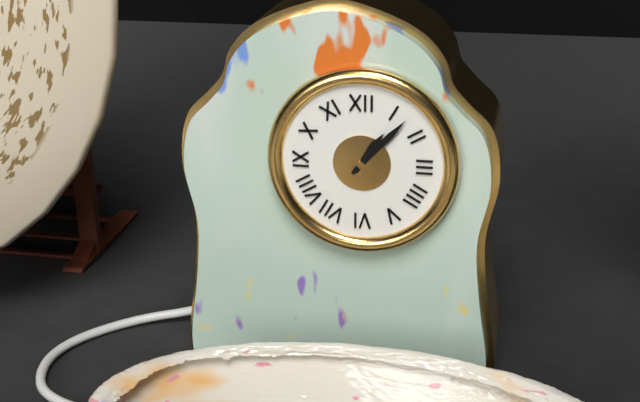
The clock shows h=1 m=7
